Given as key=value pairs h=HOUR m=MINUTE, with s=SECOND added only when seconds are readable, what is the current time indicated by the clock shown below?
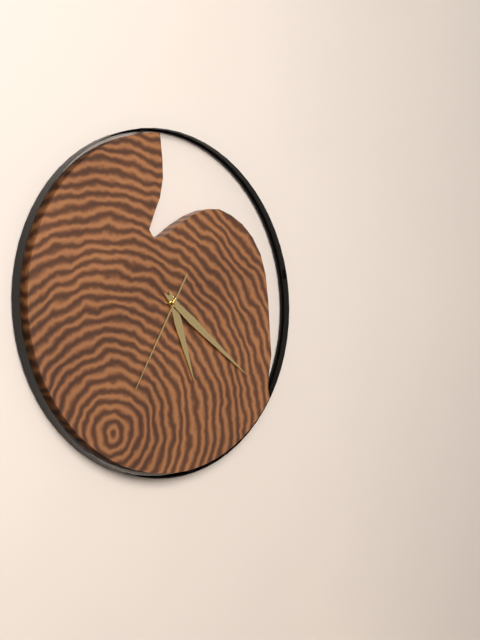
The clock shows h=5 m=21 s=35
